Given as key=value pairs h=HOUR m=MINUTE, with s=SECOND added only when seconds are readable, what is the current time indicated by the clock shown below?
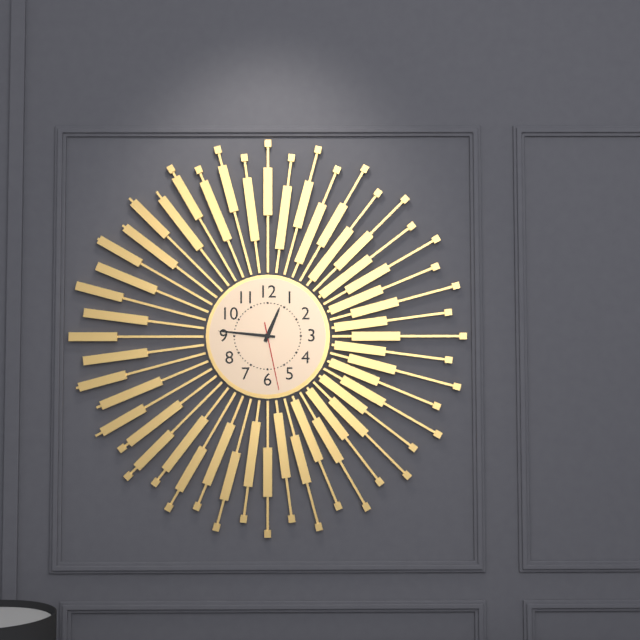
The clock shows h=12 m=46 s=28
